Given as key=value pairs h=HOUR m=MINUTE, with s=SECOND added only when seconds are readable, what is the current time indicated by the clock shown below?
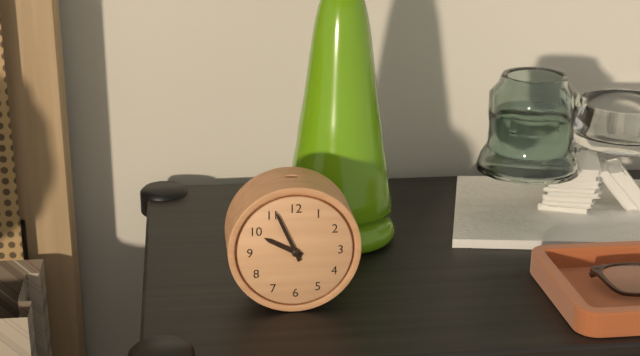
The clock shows h=9 m=56
